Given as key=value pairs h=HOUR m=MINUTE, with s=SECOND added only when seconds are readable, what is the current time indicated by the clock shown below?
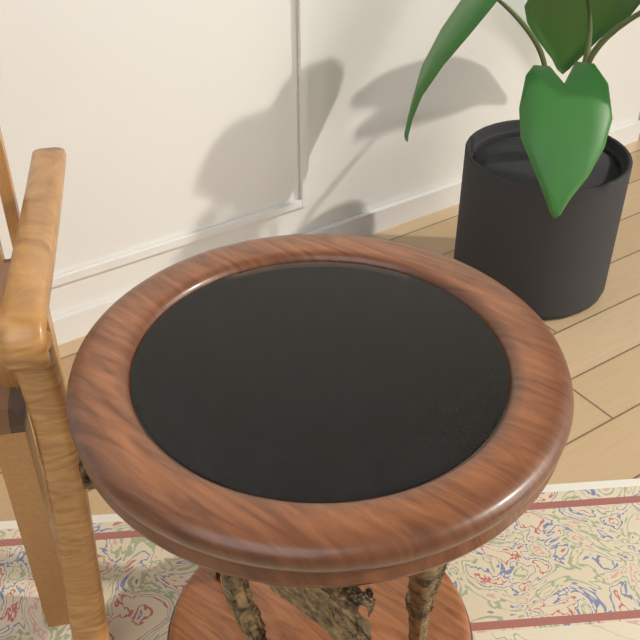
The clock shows h=3 m=33
